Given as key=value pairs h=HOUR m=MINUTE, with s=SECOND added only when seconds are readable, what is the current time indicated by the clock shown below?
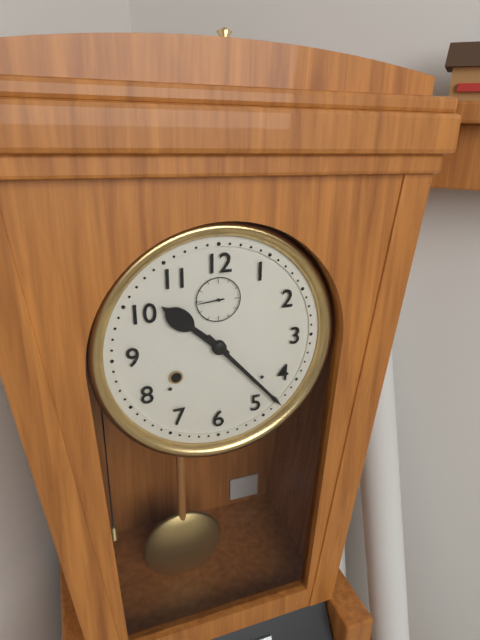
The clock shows h=10 m=23
